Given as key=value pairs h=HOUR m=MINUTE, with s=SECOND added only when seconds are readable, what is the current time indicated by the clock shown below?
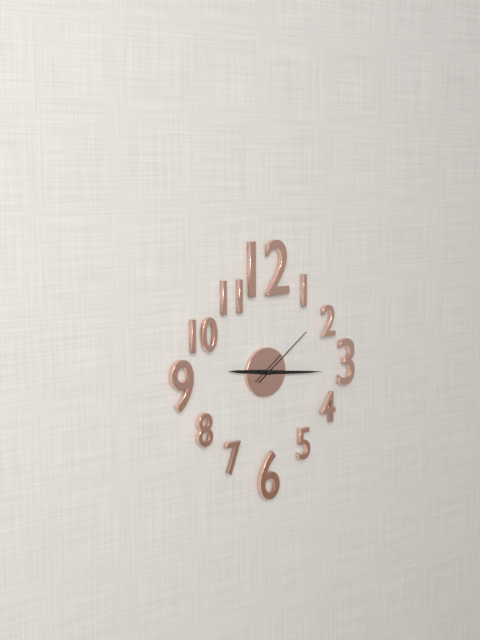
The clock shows h=9 m=16 s=9
